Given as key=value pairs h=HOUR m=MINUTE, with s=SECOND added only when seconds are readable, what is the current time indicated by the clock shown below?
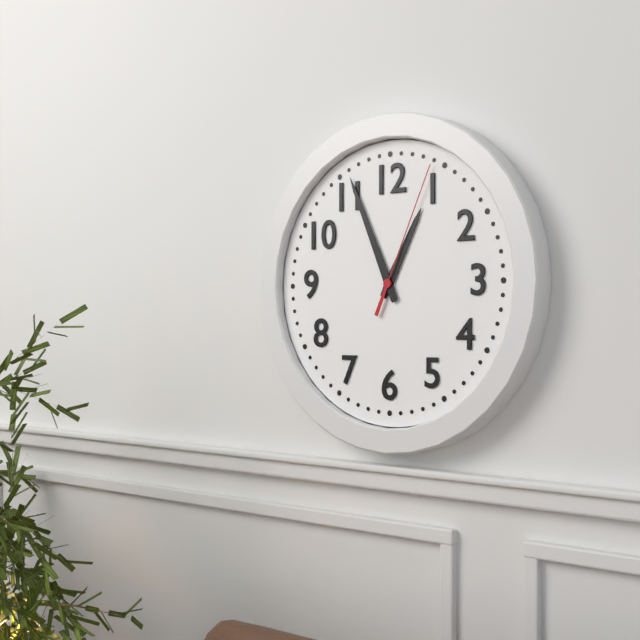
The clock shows h=12 m=56 s=4
